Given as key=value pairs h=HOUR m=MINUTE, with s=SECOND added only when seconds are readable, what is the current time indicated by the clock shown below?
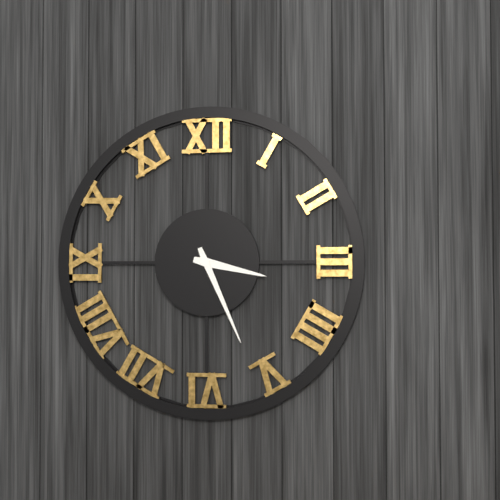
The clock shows h=3 m=26
